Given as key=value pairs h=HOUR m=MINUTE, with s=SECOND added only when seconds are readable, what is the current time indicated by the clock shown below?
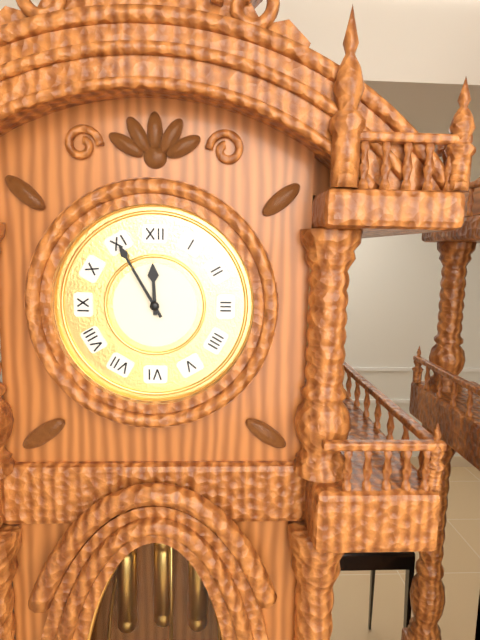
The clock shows h=11 m=55
